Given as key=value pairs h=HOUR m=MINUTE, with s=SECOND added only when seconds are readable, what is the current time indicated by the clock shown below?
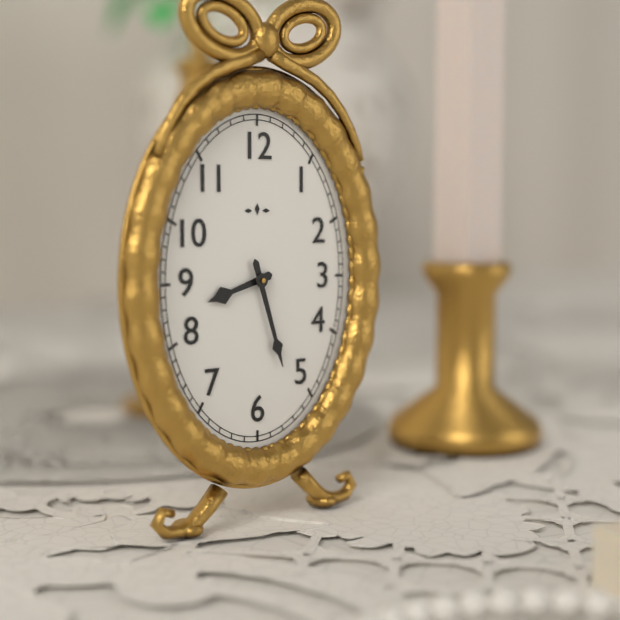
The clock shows h=8 m=27
